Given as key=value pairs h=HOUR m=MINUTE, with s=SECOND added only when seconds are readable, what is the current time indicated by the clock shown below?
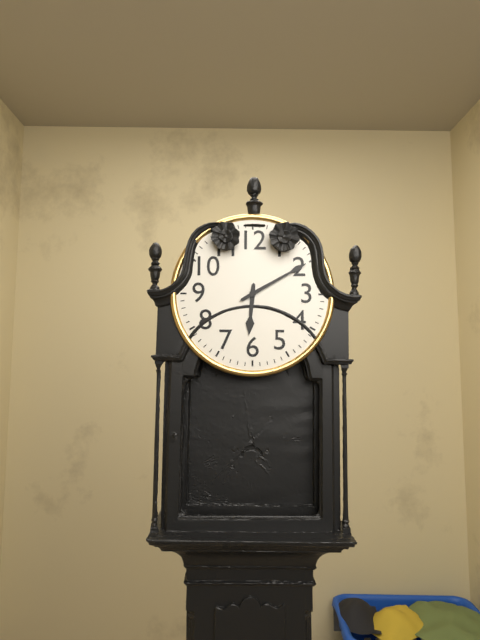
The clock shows h=6 m=10
